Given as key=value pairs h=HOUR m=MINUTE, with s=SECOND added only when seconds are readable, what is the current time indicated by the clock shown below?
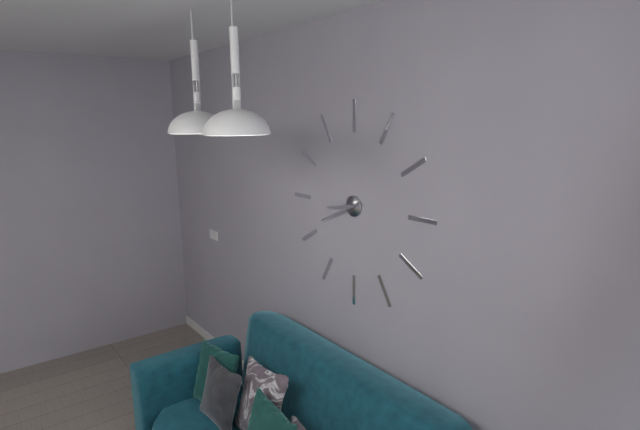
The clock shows h=8 m=41
